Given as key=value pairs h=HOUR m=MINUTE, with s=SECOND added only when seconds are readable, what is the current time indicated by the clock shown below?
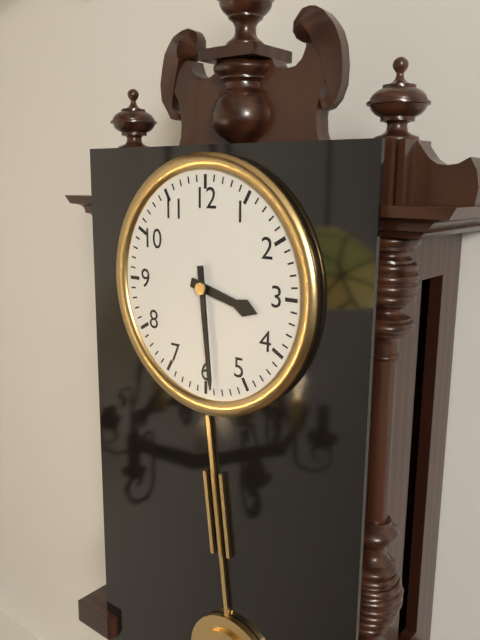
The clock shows h=3 m=29
